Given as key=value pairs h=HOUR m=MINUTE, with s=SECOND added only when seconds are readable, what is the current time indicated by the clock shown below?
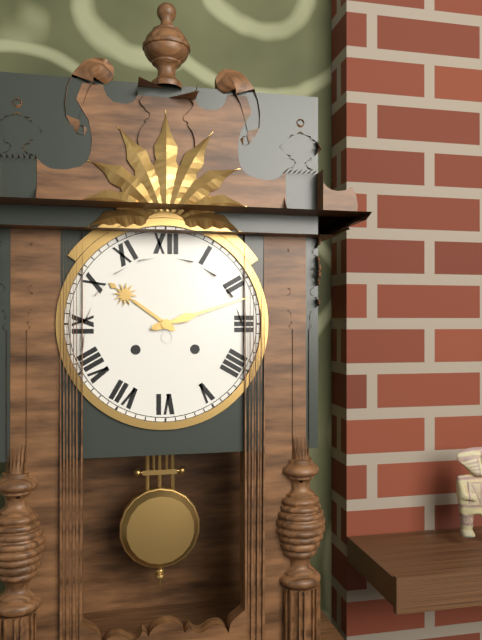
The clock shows h=10 m=12
